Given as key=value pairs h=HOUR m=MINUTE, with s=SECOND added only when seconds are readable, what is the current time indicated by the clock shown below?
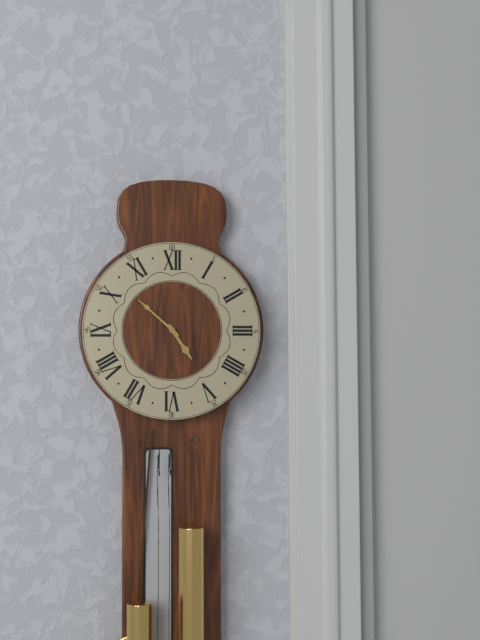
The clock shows h=4 m=52
